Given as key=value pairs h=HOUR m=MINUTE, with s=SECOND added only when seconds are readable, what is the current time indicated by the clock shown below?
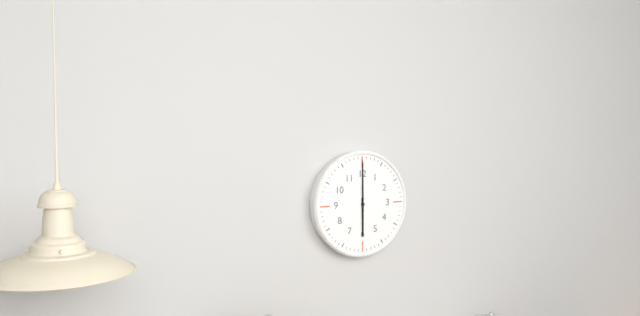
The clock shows h=6 m=0
